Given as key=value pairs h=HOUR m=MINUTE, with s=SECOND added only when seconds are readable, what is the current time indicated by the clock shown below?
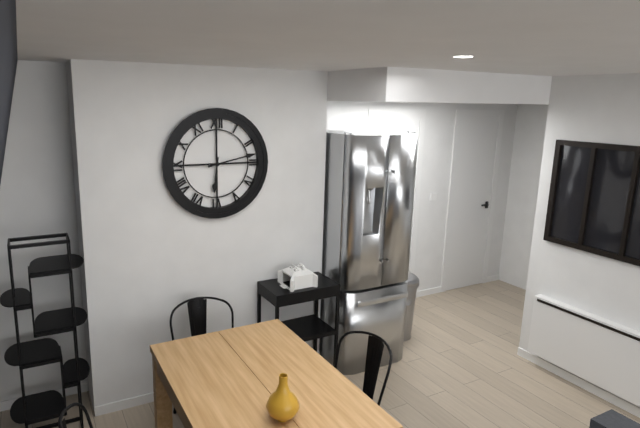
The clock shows h=6 m=13
